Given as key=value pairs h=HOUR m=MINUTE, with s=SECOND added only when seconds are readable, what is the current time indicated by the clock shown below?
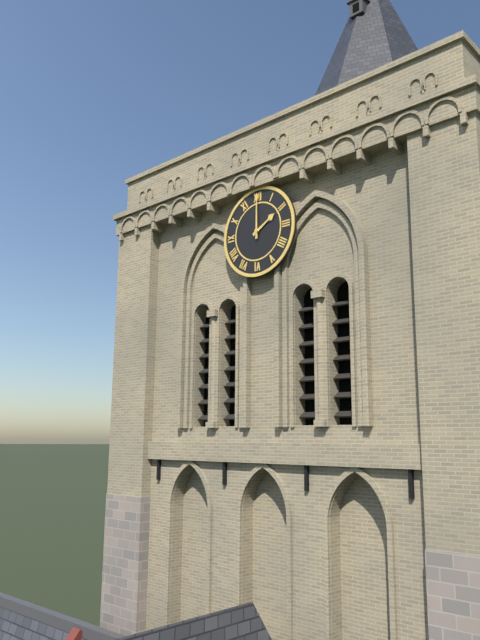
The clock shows h=2 m=0
